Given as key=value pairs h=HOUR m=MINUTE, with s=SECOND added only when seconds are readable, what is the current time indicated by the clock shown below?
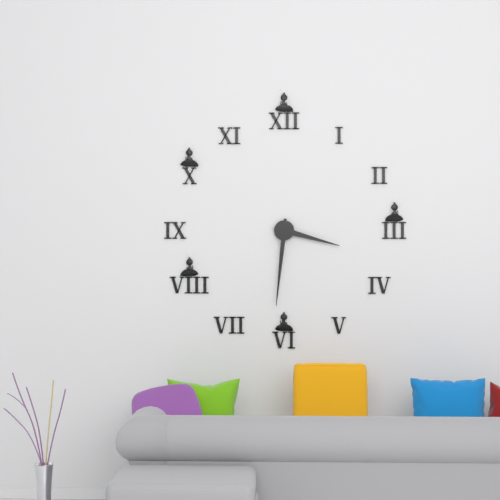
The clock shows h=3 m=31
